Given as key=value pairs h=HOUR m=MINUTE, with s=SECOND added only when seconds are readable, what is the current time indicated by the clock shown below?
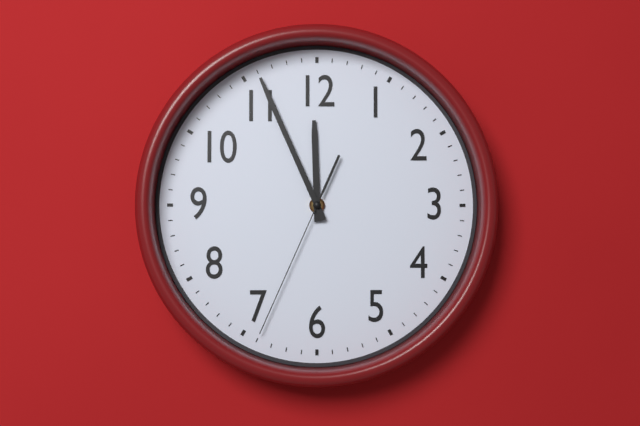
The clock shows h=11 m=56 s=34
